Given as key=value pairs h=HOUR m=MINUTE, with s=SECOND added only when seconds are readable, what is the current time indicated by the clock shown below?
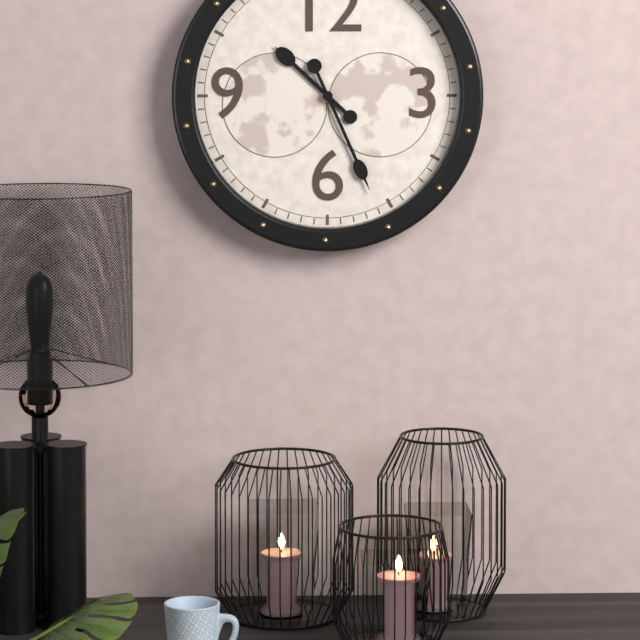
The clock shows h=10 m=26
